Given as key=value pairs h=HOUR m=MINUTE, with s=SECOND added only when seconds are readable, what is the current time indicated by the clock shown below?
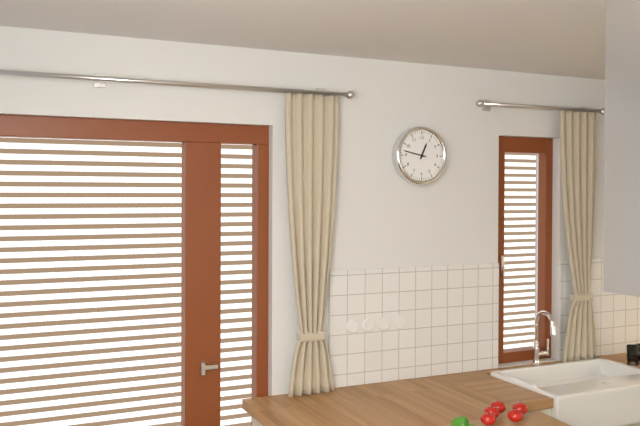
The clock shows h=12 m=47
